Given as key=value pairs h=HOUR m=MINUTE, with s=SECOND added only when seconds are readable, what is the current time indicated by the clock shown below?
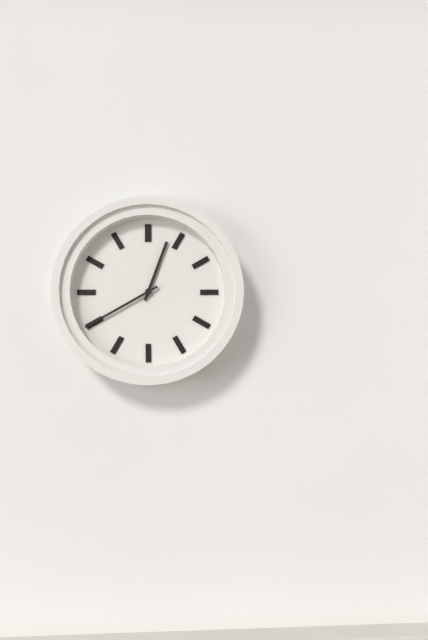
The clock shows h=12 m=40
